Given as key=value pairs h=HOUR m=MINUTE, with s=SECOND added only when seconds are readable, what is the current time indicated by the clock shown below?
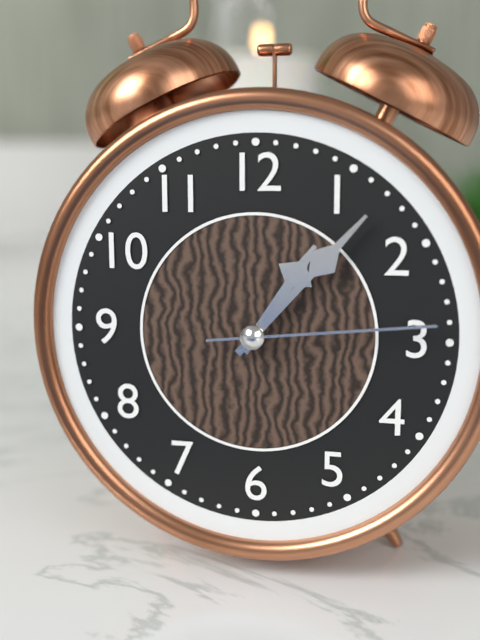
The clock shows h=1 m=7 s=14
